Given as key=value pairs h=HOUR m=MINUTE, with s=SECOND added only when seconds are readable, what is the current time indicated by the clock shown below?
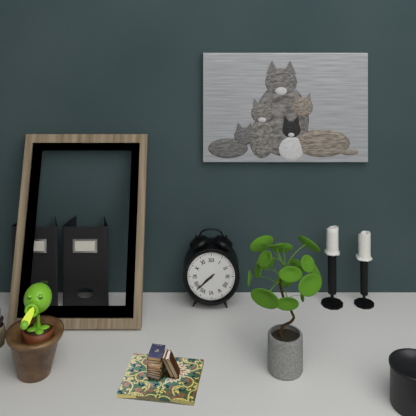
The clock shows h=7 m=38
